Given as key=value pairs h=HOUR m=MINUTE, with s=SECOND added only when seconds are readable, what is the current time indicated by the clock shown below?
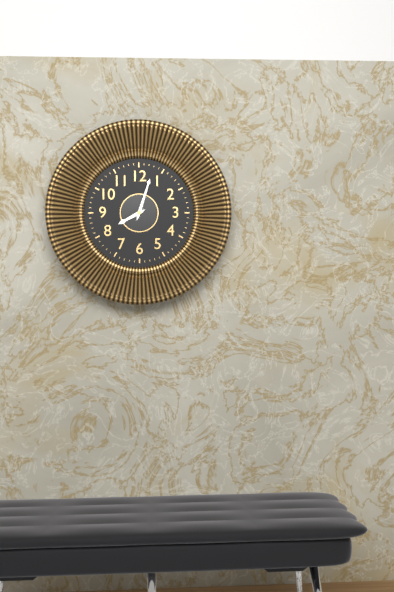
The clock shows h=8 m=3
